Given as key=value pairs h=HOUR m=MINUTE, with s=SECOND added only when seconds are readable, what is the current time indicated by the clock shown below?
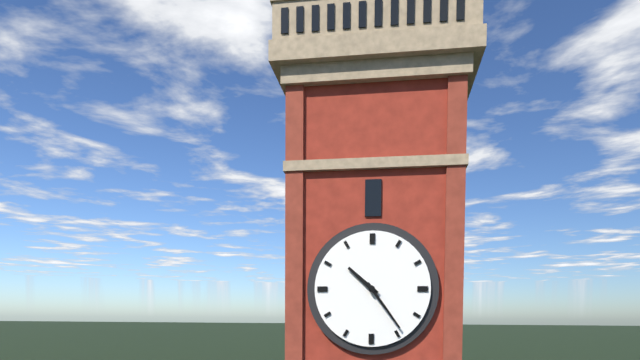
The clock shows h=10 m=24
